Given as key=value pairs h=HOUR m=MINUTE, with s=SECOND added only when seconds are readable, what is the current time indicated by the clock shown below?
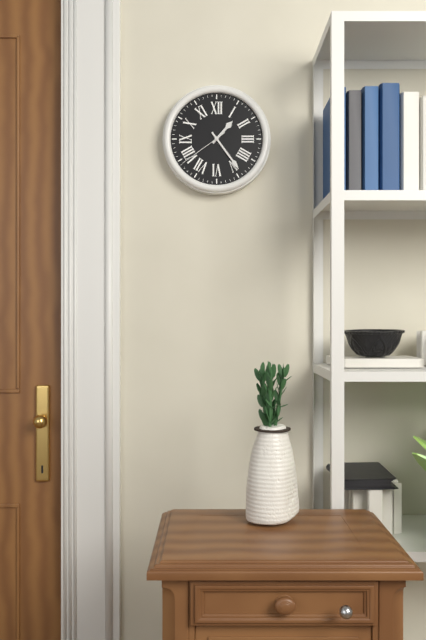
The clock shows h=1 m=24 s=39
